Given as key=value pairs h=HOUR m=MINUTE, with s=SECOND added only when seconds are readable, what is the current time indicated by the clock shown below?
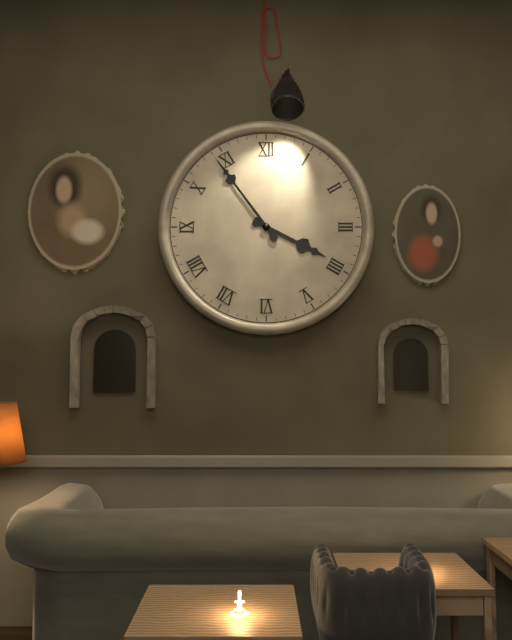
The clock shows h=3 m=54
